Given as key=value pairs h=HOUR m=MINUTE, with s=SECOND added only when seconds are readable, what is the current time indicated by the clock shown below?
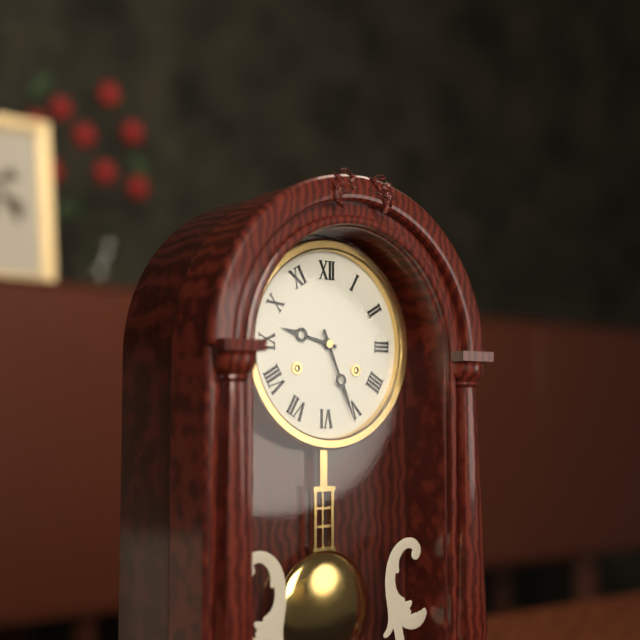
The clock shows h=9 m=26
